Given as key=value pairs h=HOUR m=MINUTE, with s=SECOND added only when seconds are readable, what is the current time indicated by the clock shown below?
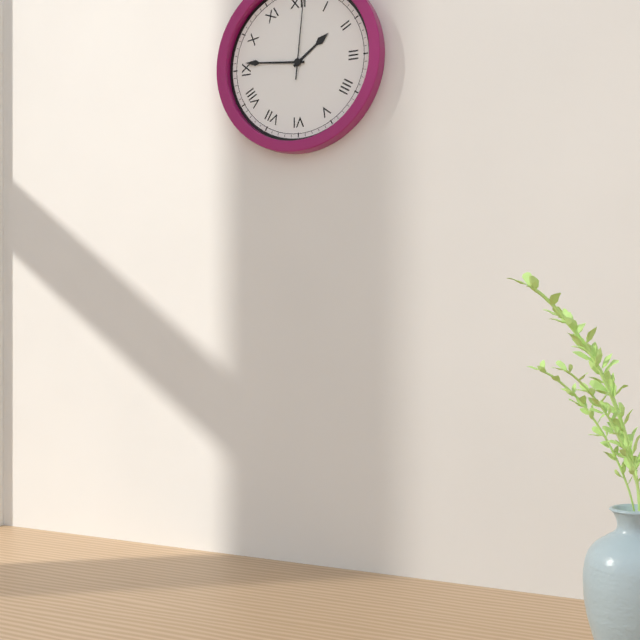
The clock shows h=1 m=46
